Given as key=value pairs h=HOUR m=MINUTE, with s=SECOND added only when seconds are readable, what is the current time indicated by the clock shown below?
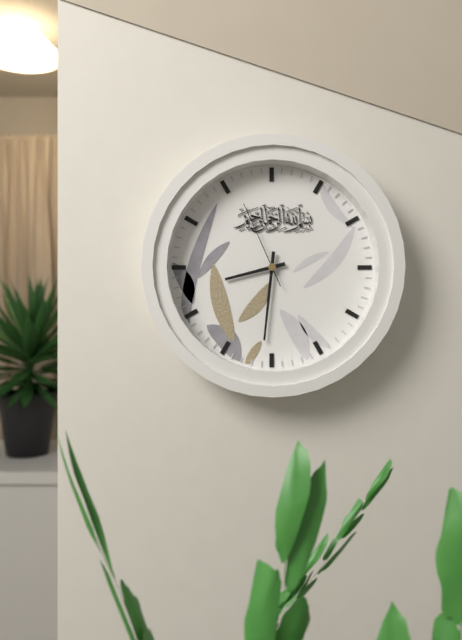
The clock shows h=8 m=31 s=56
